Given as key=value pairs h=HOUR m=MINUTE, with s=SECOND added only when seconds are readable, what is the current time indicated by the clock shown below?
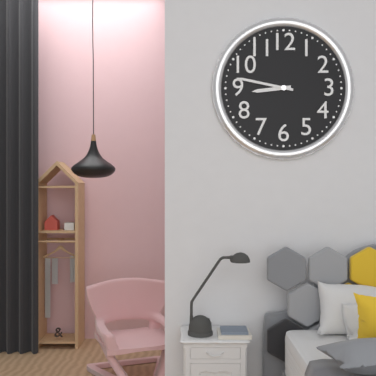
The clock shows h=8 m=47
